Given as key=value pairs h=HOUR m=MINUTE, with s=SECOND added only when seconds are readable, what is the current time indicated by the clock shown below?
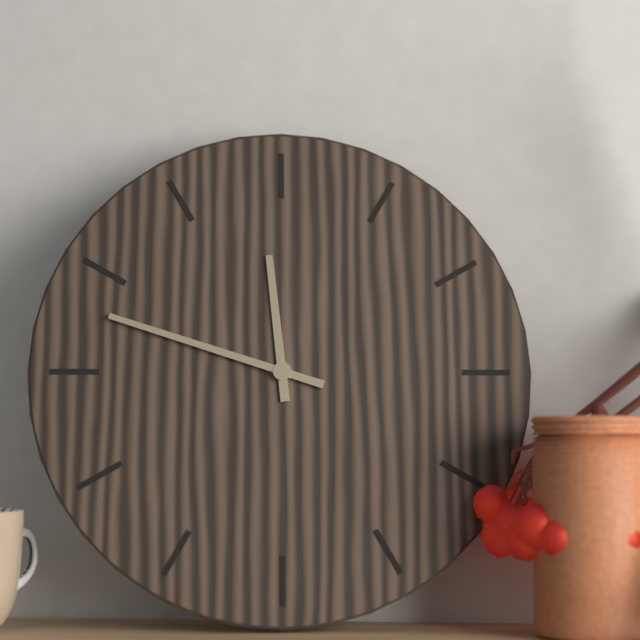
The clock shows h=11 m=48
